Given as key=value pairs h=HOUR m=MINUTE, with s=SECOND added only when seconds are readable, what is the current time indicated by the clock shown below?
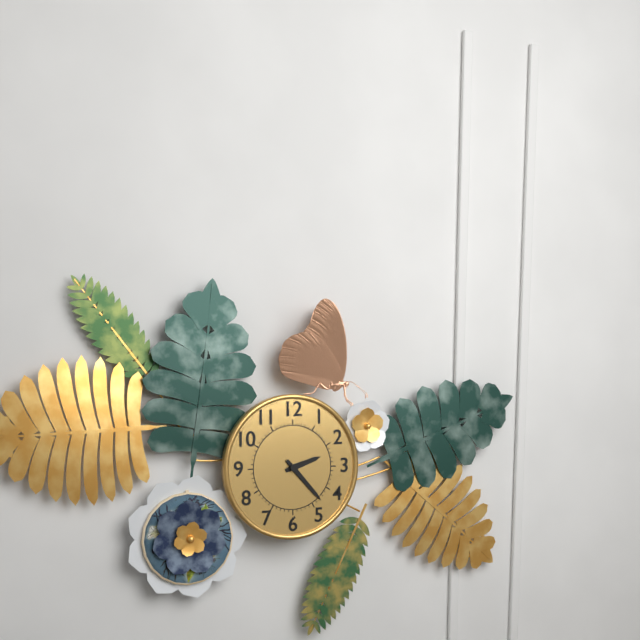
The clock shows h=2 m=23
